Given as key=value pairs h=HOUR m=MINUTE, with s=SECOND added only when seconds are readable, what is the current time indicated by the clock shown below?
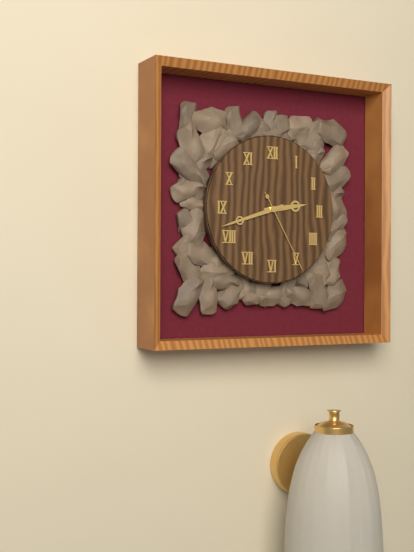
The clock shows h=2 m=42 s=25
